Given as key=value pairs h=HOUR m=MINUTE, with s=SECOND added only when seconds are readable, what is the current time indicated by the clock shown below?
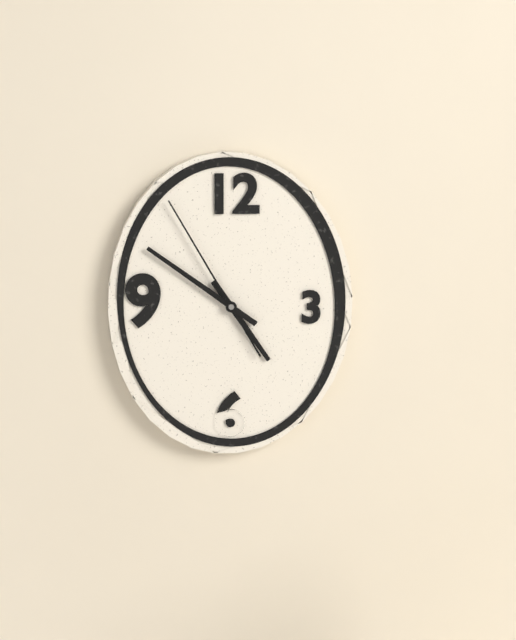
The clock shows h=4 m=51 s=55
